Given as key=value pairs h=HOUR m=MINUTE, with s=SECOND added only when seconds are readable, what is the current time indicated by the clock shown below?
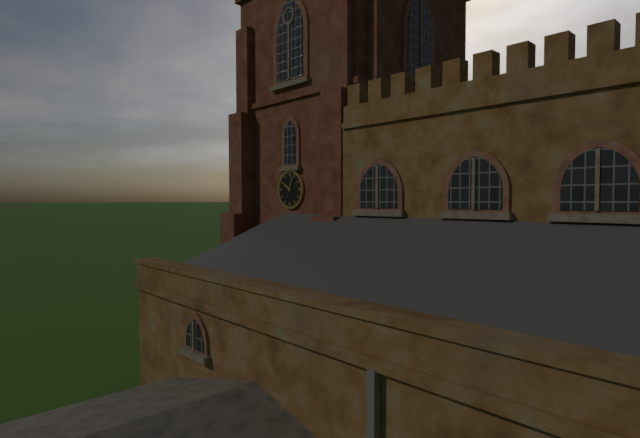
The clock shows h=10 m=4
